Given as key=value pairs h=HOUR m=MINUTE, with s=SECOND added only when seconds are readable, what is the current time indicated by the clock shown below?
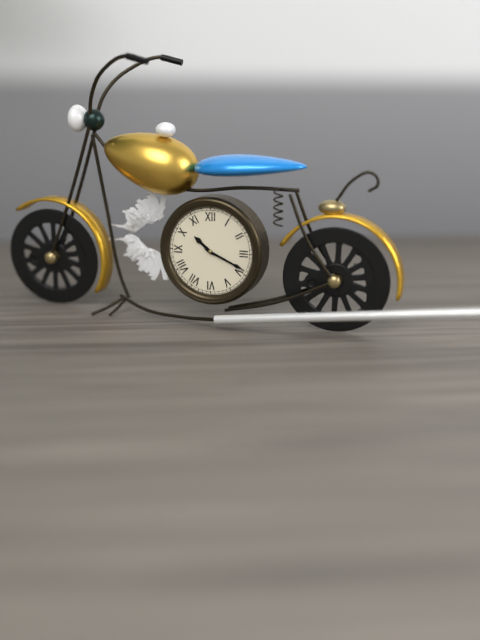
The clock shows h=10 m=19
